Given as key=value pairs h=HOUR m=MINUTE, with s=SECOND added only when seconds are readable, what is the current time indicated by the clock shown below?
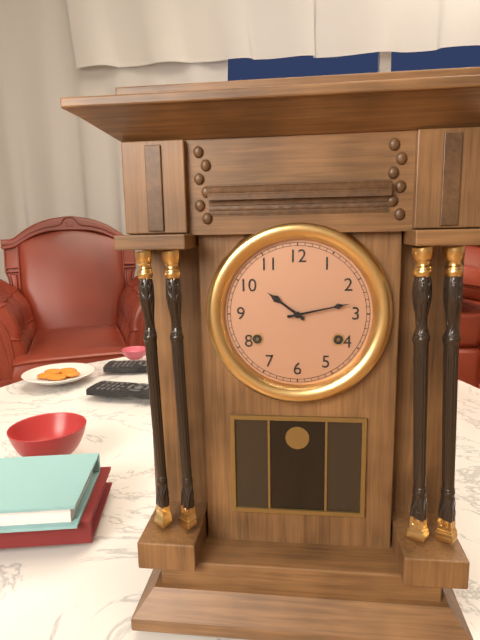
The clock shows h=10 m=13
